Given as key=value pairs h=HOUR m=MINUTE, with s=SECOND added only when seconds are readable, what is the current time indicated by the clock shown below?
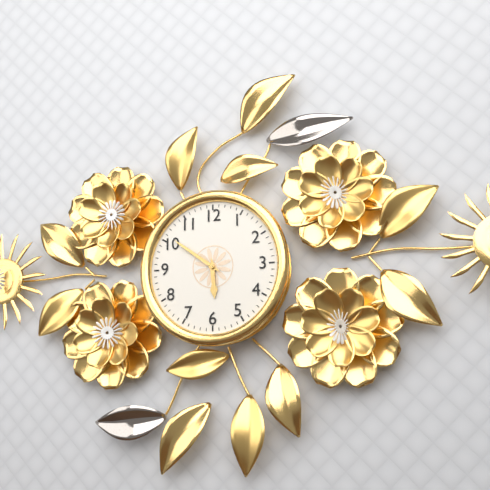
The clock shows h=5 m=51
